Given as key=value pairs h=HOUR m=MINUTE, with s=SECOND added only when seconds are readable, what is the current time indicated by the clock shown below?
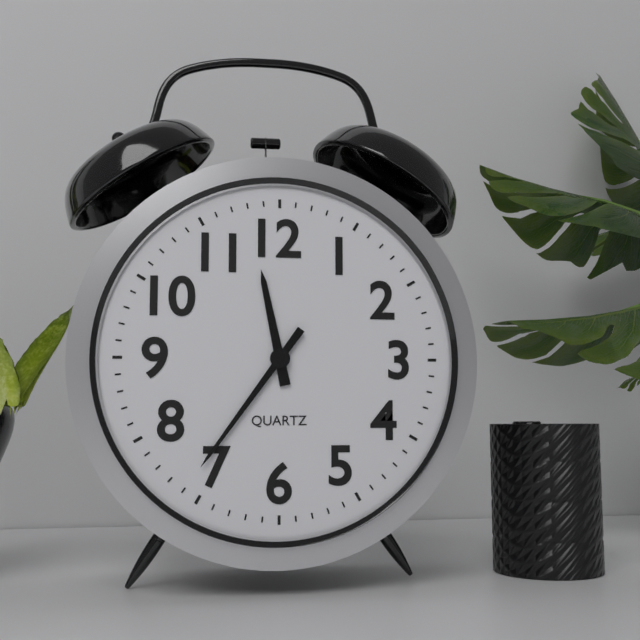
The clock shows h=11 m=36
